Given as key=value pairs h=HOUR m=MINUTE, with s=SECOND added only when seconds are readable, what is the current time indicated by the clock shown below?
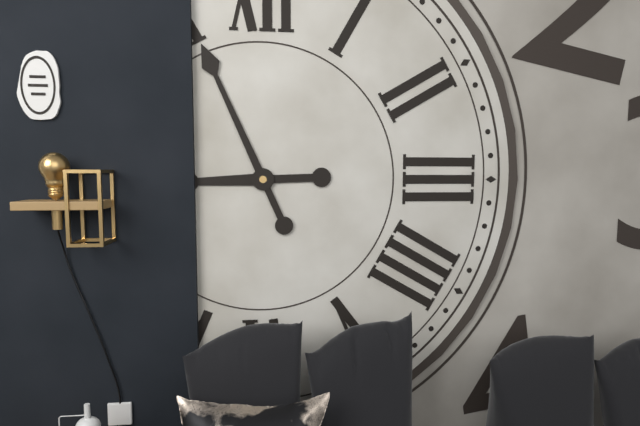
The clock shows h=8 m=56
